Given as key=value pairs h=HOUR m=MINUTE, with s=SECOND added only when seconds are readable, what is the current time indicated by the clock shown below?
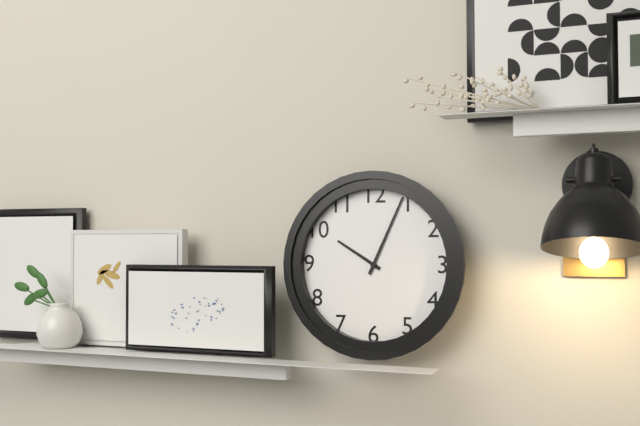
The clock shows h=10 m=4
